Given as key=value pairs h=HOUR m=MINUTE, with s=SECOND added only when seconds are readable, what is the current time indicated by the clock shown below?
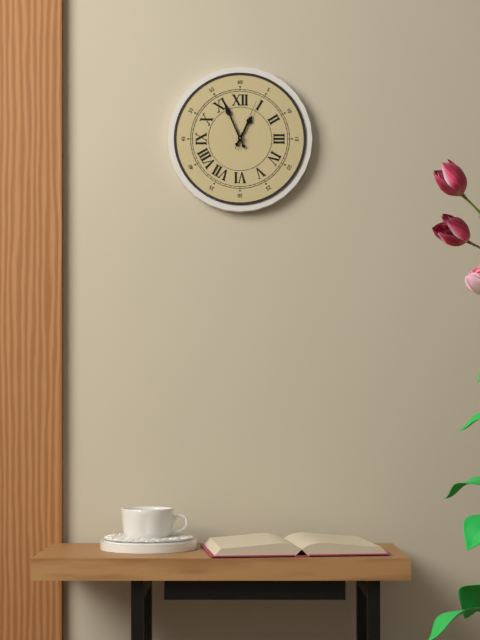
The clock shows h=12 m=56 s=4
